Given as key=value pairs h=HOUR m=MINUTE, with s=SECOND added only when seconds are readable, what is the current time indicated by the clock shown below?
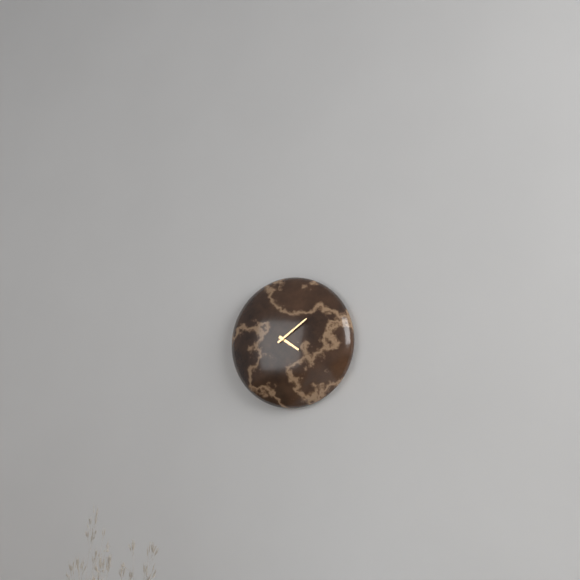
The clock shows h=4 m=9
